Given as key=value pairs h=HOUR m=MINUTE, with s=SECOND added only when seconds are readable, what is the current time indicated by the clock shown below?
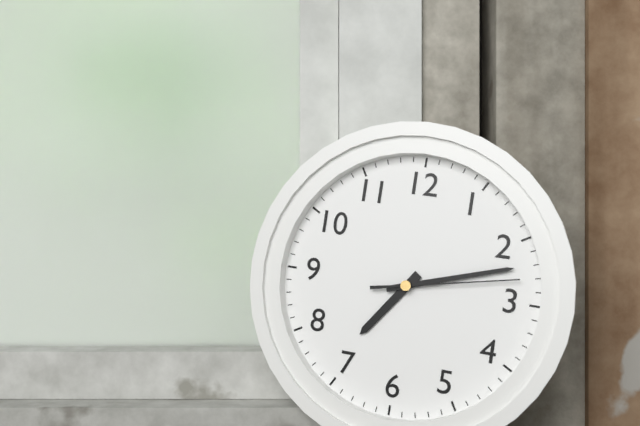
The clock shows h=7 m=12 s=13
